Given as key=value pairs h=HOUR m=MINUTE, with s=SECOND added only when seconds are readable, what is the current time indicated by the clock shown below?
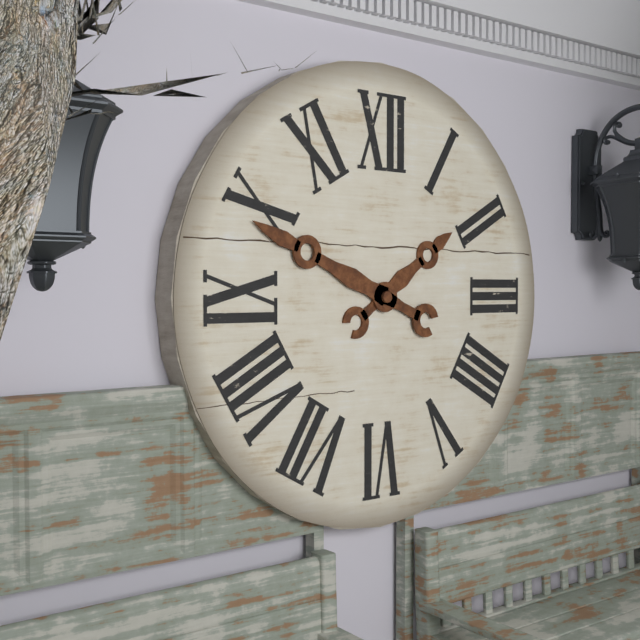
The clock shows h=1 m=49
